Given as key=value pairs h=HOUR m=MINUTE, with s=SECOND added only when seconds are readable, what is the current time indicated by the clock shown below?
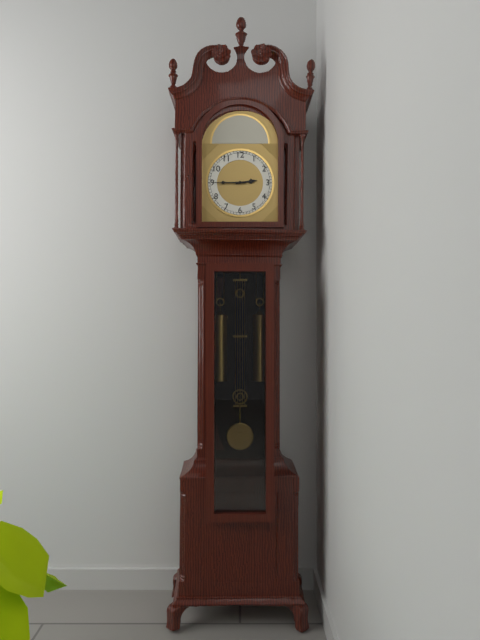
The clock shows h=2 m=45
